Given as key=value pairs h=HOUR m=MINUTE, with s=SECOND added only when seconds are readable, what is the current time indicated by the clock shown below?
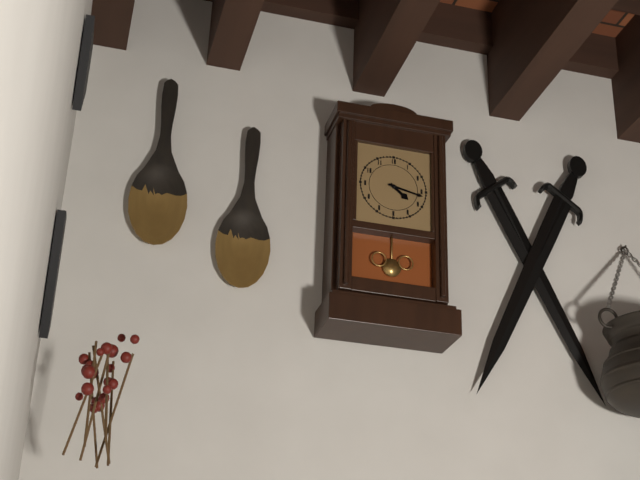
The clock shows h=4 m=17
